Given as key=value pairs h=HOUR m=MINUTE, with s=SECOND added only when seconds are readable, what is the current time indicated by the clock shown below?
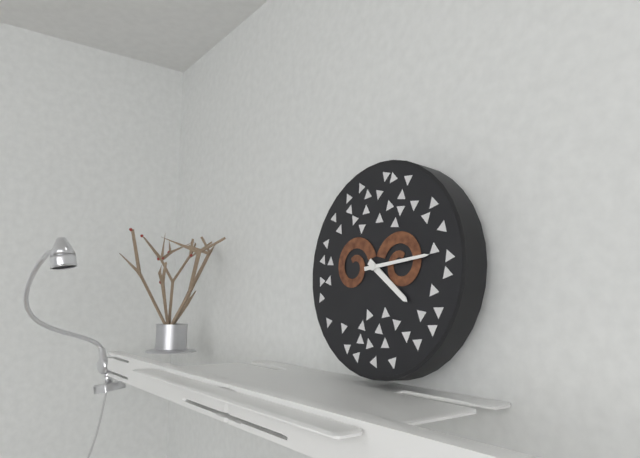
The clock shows h=4 m=14
